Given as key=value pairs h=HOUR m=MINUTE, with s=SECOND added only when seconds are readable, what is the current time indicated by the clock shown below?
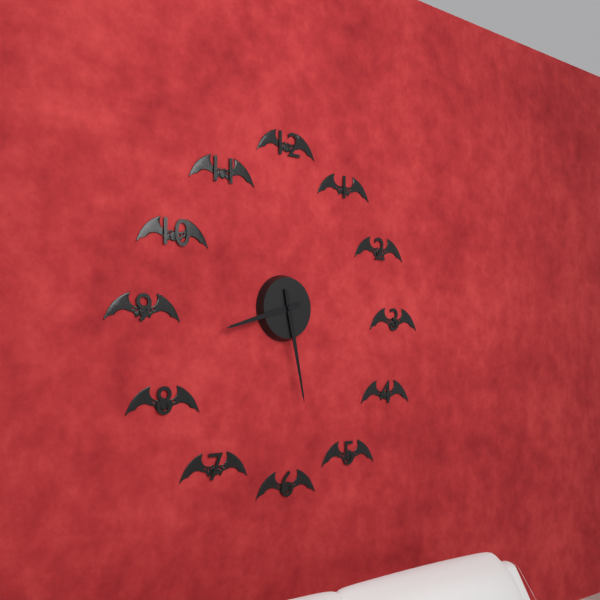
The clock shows h=8 m=28
